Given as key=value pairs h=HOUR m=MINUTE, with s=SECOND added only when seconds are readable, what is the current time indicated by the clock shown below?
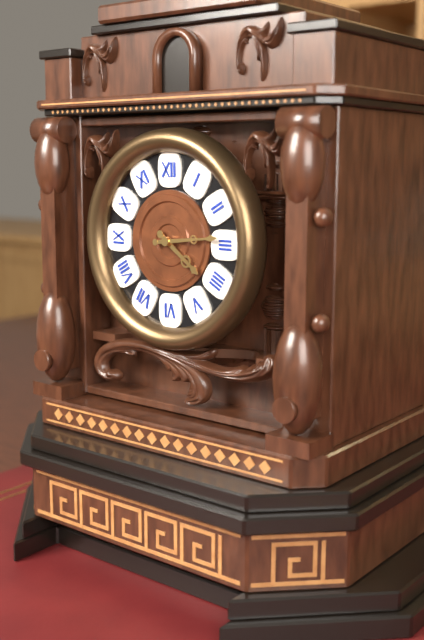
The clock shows h=4 m=14
